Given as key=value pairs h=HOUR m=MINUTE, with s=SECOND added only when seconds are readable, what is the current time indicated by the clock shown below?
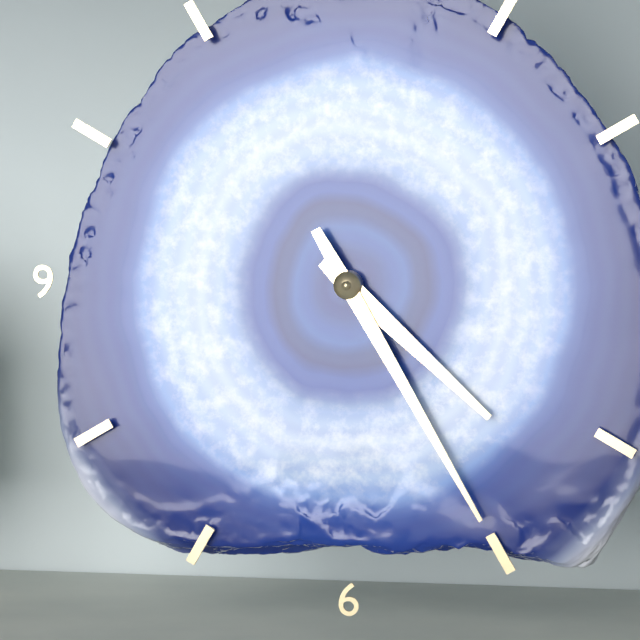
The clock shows h=4 m=25
